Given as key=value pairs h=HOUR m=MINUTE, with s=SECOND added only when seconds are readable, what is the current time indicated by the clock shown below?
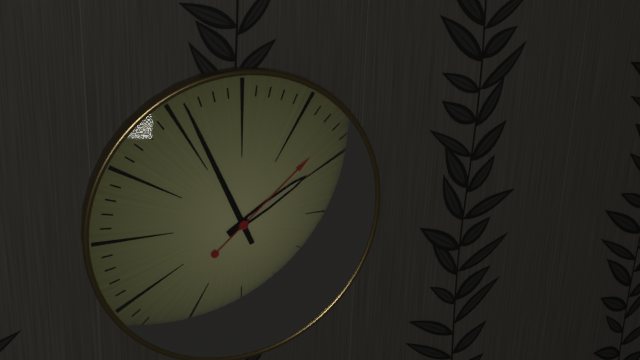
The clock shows h=1 m=56 s=8
